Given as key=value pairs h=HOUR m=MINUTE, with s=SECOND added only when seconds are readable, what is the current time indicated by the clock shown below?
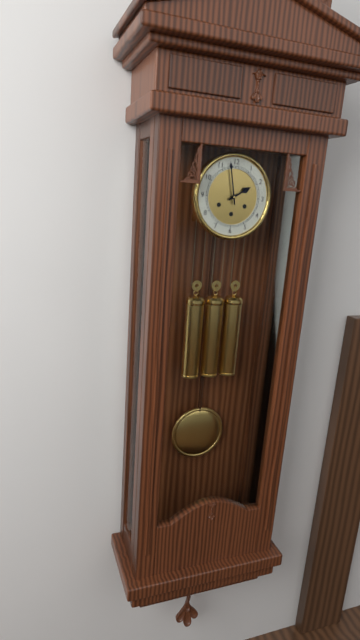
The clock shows h=1 m=58
